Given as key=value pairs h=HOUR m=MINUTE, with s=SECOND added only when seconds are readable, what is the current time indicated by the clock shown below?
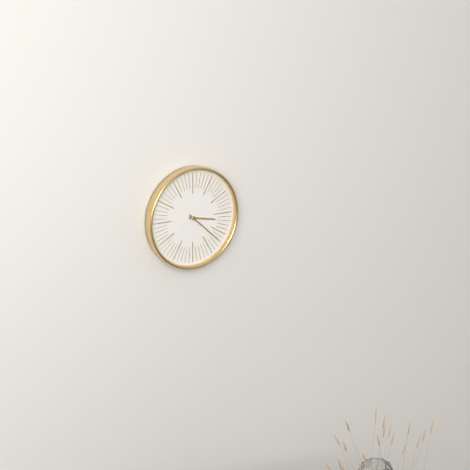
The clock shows h=3 m=22
